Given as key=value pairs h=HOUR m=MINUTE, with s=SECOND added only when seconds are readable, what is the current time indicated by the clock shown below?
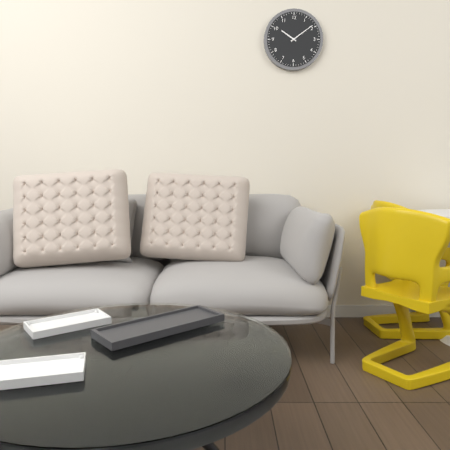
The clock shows h=10 m=9
